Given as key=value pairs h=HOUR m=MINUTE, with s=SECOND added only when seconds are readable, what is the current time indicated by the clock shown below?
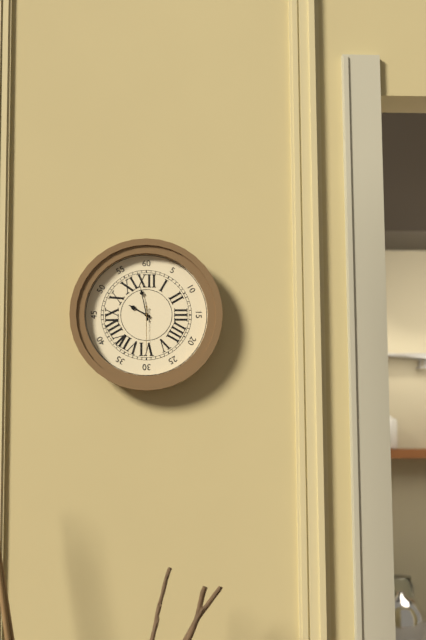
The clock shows h=9 m=58
